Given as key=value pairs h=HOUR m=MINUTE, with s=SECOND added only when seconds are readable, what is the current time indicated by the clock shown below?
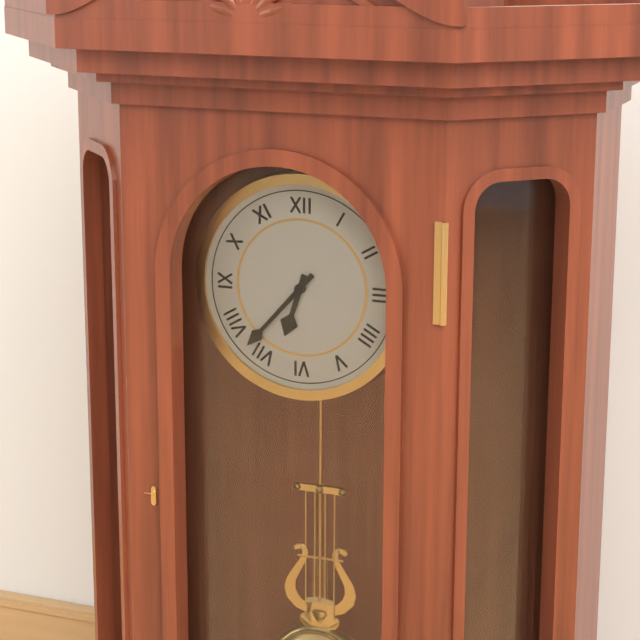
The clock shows h=6 m=37
